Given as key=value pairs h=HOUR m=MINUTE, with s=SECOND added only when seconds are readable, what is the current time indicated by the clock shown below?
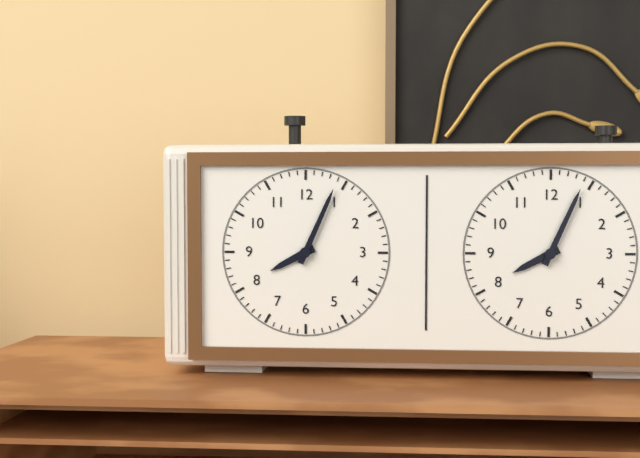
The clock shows h=8 m=4
